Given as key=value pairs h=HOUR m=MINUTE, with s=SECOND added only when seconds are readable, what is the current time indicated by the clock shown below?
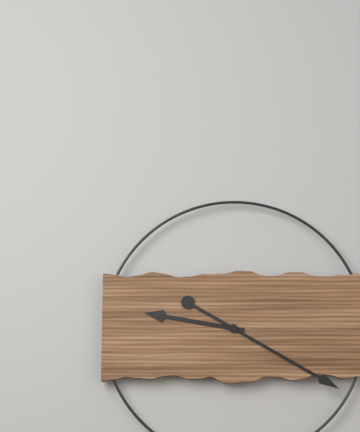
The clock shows h=9 m=20
